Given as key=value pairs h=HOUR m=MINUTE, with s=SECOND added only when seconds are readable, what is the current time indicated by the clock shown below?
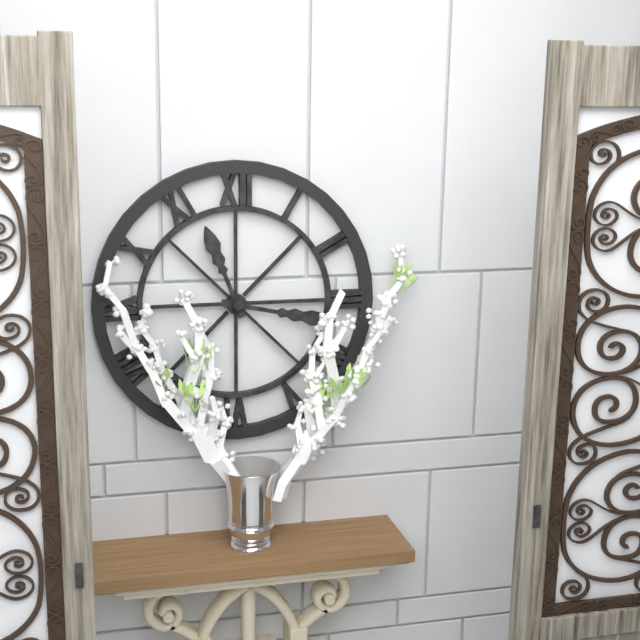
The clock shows h=11 m=17
